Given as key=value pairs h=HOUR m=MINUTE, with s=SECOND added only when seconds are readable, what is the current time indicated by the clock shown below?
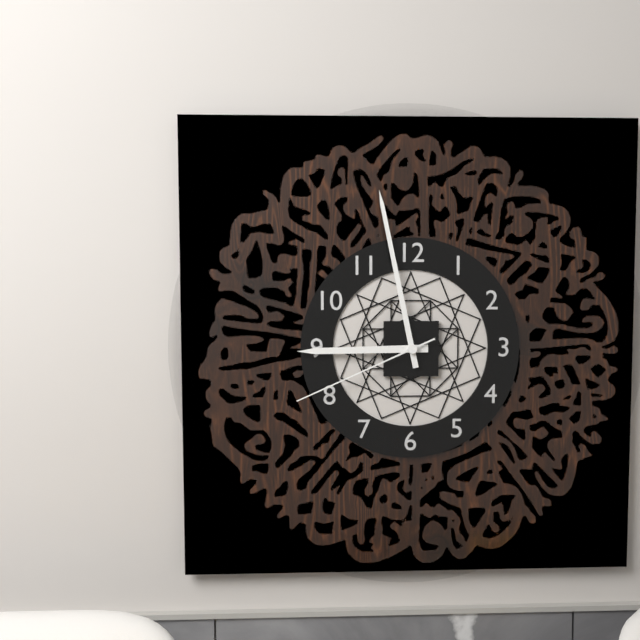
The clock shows h=8 m=58 s=41
